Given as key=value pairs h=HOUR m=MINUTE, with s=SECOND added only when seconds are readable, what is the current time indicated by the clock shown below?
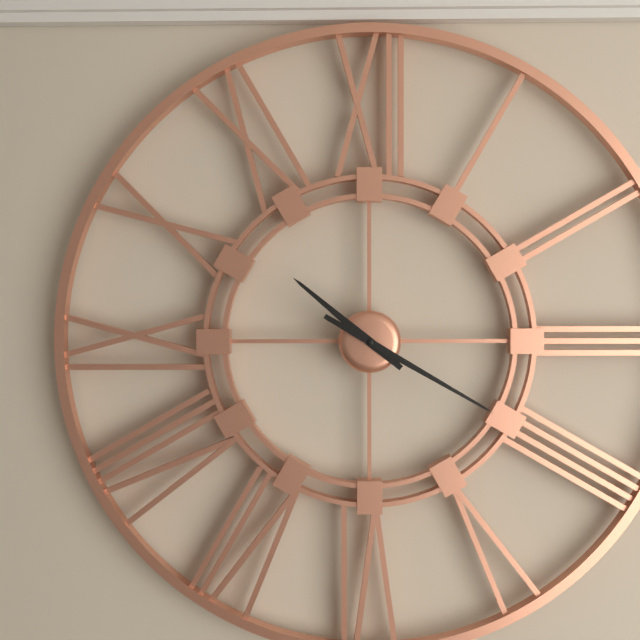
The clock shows h=10 m=20
